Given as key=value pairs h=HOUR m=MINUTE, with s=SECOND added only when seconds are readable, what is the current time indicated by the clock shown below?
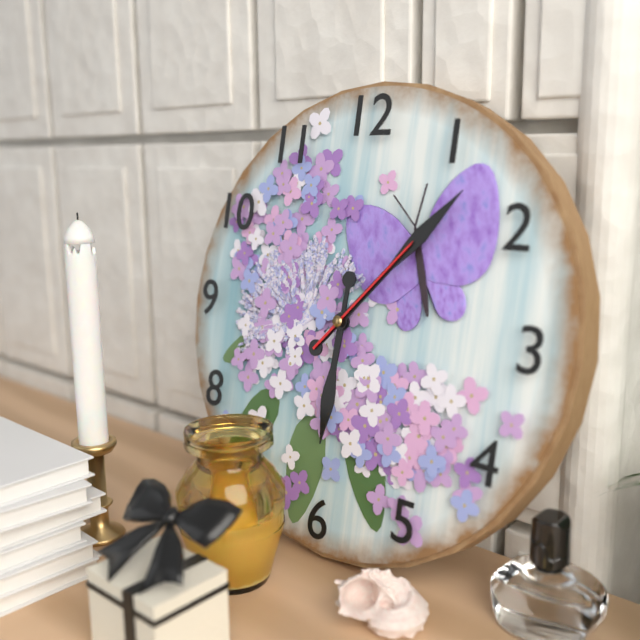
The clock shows h=6 m=7 s=7
